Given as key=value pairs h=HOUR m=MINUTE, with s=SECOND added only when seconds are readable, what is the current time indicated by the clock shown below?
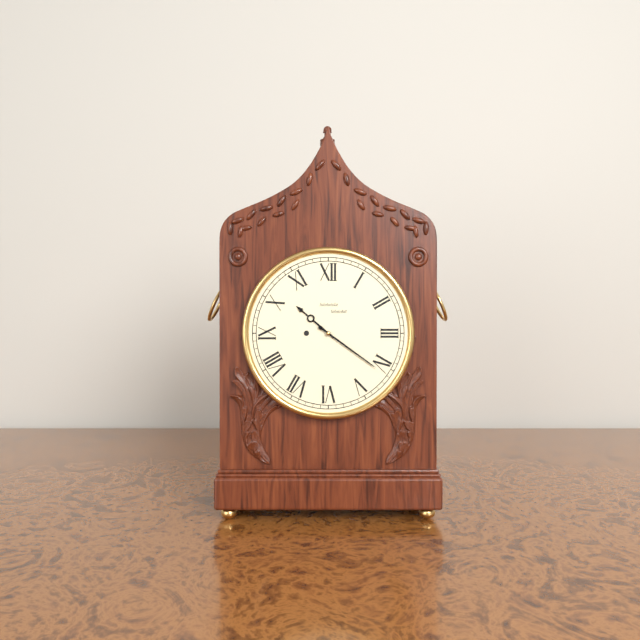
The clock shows h=10 m=21
